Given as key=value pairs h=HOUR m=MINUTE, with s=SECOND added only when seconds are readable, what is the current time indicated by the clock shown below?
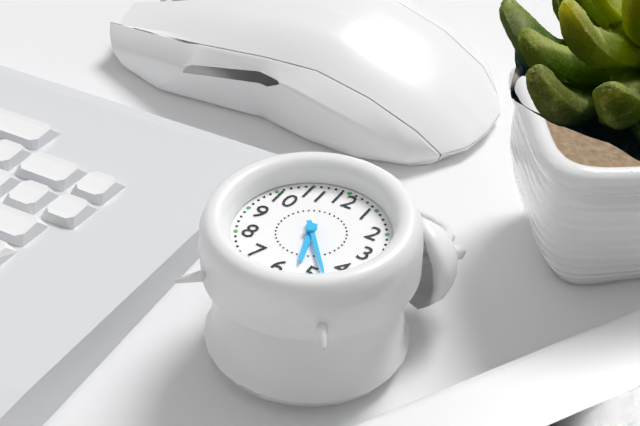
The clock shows h=5 m=23
